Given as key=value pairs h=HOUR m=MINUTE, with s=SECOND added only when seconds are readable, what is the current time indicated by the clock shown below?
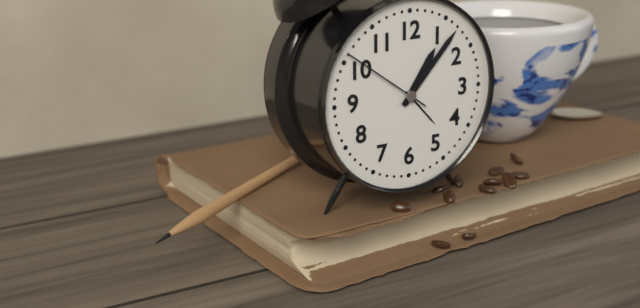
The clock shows h=1 m=7 s=51
